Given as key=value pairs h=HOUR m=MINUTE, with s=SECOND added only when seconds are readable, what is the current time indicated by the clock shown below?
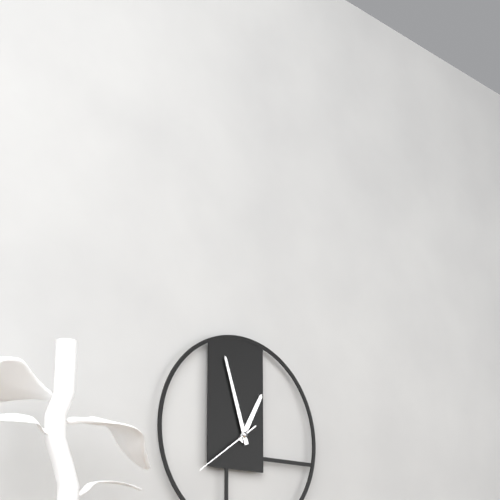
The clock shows h=12 m=57 s=39
